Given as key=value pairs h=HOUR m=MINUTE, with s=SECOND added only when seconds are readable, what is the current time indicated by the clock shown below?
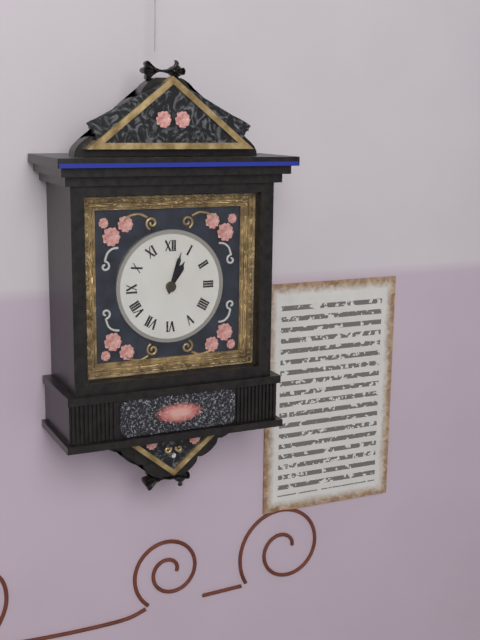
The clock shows h=1 m=3
